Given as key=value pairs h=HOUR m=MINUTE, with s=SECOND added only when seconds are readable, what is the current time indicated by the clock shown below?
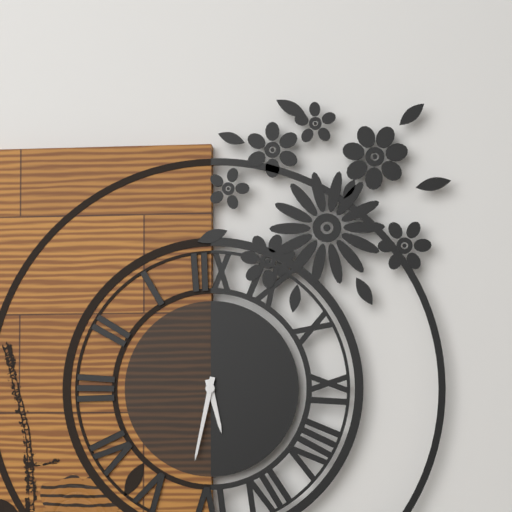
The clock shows h=5 m=32
